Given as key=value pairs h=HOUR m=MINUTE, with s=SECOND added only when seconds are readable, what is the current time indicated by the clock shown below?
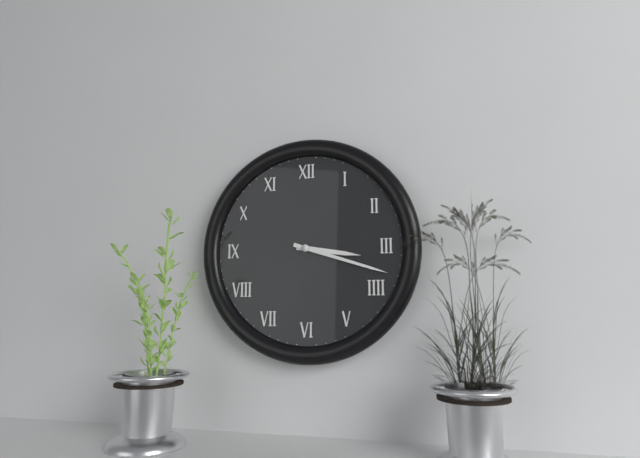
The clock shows h=3 m=18
